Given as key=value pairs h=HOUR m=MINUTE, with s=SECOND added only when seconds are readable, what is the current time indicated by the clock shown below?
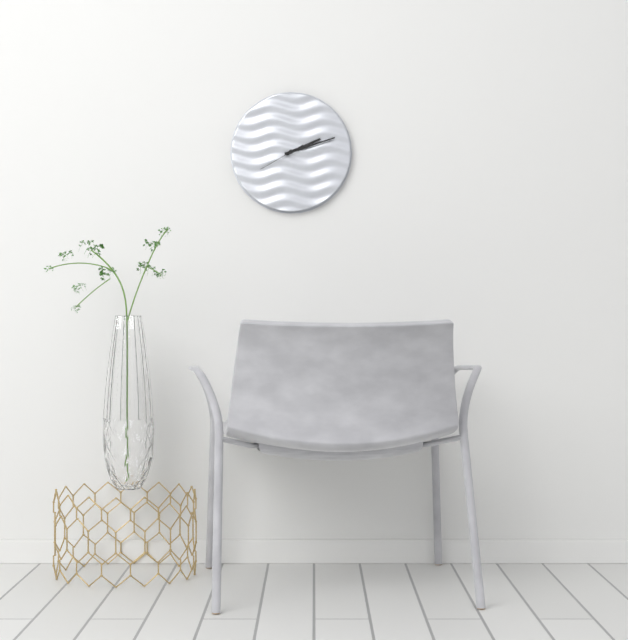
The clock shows h=2 m=12
